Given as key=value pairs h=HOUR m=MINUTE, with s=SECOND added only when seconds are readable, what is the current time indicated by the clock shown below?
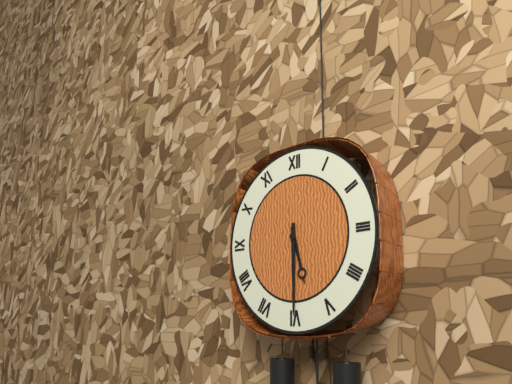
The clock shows h=5 m=30
